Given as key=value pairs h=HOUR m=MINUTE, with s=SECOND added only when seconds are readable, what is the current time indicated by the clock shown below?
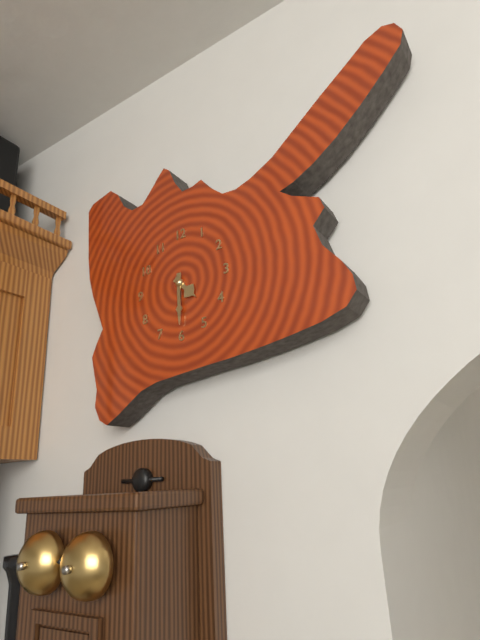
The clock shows h=4 m=30
